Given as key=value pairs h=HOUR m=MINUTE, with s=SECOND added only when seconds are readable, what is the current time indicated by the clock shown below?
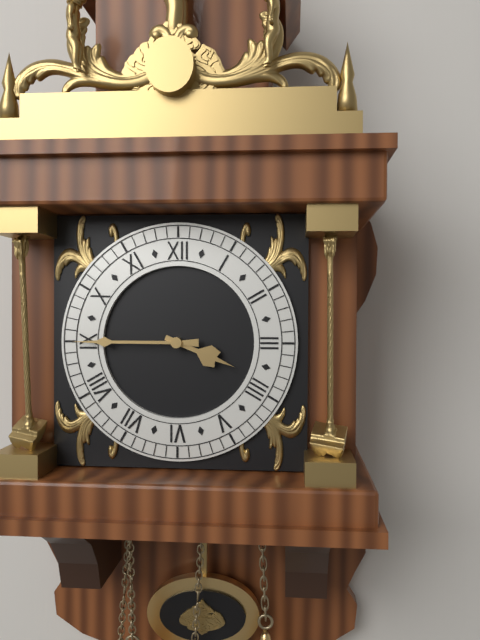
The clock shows h=3 m=45
